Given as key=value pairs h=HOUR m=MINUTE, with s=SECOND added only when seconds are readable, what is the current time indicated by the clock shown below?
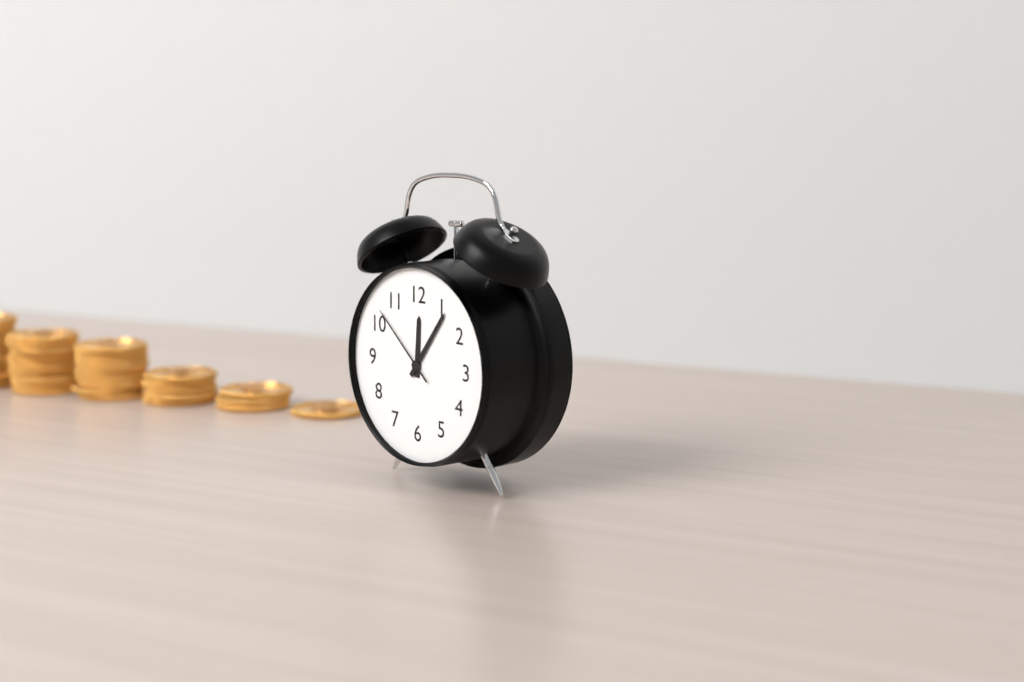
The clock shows h=12 m=6 s=52
